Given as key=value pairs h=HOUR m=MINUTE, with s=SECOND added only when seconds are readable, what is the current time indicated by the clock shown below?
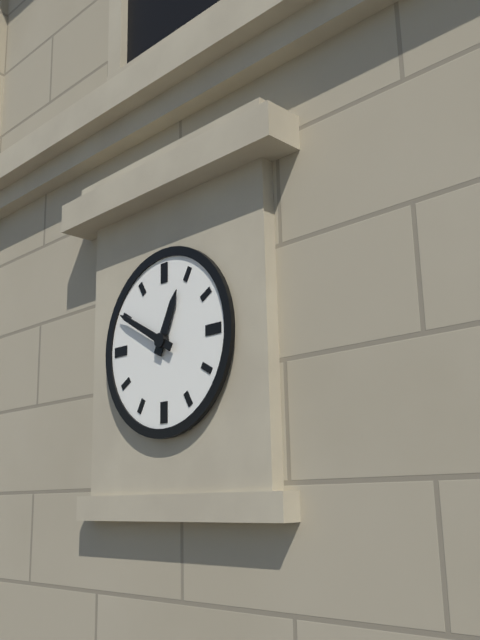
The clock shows h=12 m=50
